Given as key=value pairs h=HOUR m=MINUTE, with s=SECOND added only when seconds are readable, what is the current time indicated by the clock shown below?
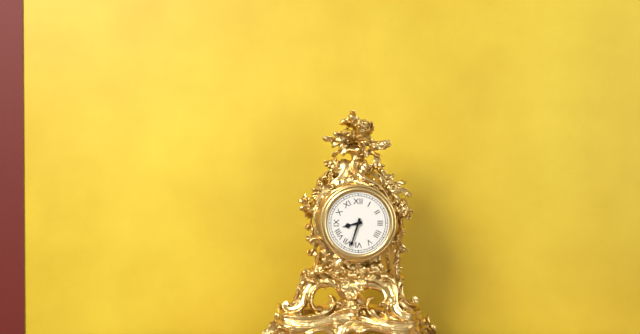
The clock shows h=8 m=33
